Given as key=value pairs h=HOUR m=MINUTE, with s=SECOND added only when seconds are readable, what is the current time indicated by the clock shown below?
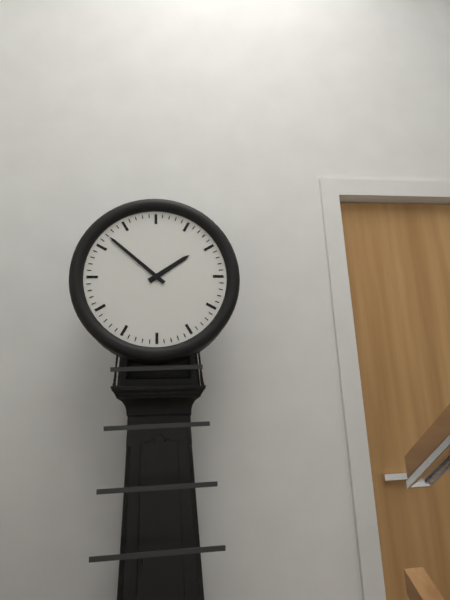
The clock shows h=1 m=52
